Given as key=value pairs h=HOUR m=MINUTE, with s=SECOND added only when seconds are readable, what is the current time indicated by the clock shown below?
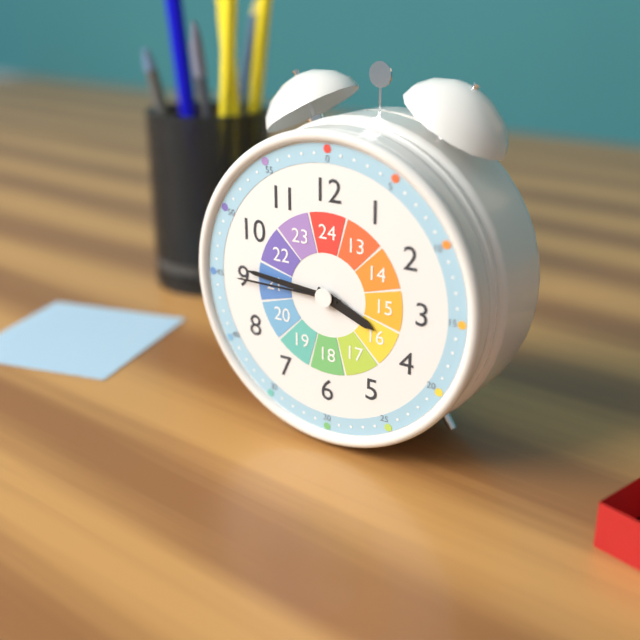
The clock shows h=3 m=46 s=45
